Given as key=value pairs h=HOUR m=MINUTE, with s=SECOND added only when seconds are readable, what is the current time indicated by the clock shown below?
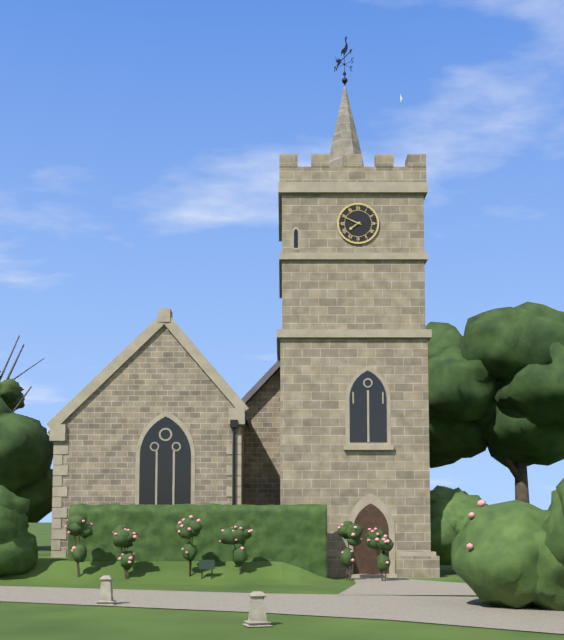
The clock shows h=7 m=49
